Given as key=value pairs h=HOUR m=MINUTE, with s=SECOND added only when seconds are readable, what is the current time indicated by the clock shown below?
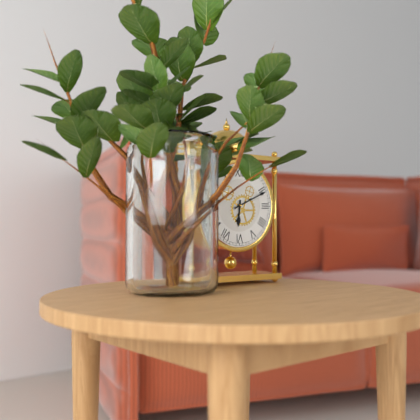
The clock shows h=6 m=11
